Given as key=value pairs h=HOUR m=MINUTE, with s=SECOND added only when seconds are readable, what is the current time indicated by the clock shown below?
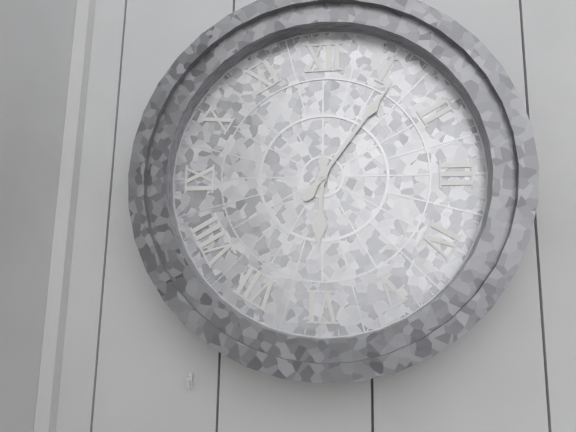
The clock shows h=6 m=6
